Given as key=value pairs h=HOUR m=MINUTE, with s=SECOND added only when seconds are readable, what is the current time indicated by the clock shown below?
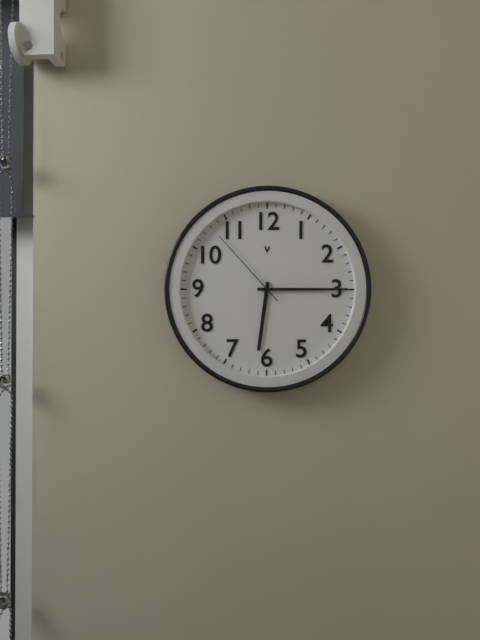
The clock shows h=6 m=15 s=53
